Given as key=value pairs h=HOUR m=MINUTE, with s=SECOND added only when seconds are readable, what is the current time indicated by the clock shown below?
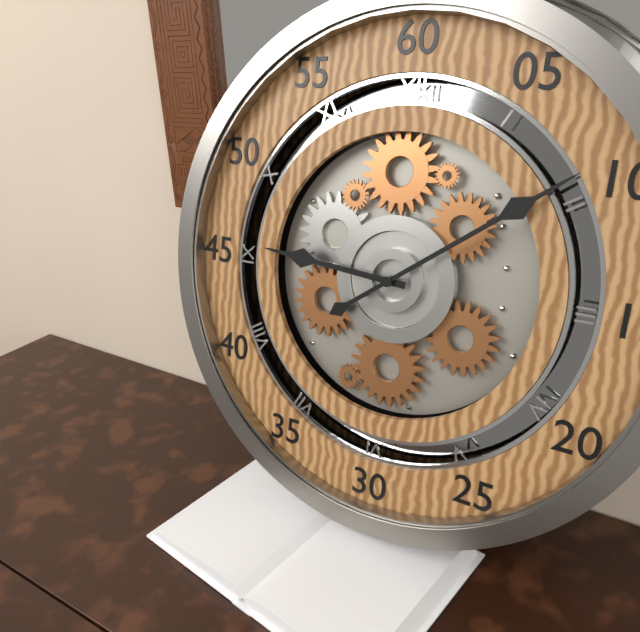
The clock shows h=9 m=9
